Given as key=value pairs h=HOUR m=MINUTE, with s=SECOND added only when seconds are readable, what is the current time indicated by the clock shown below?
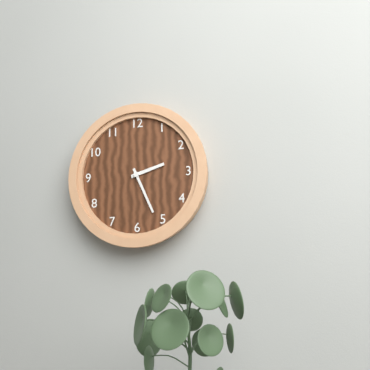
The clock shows h=2 m=26
